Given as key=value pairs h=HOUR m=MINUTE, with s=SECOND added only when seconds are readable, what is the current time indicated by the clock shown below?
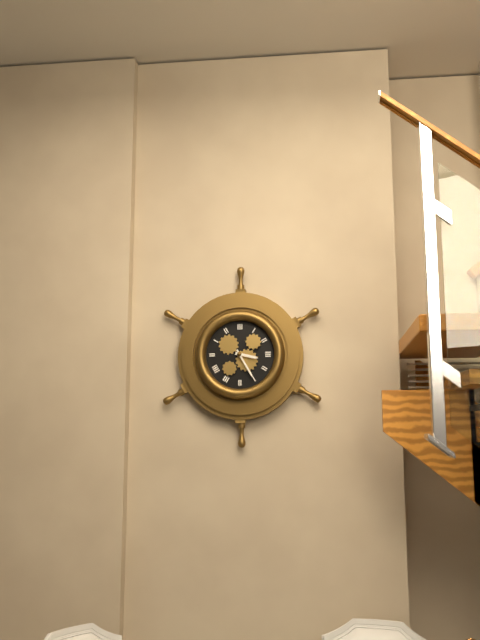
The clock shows h=3 m=25
